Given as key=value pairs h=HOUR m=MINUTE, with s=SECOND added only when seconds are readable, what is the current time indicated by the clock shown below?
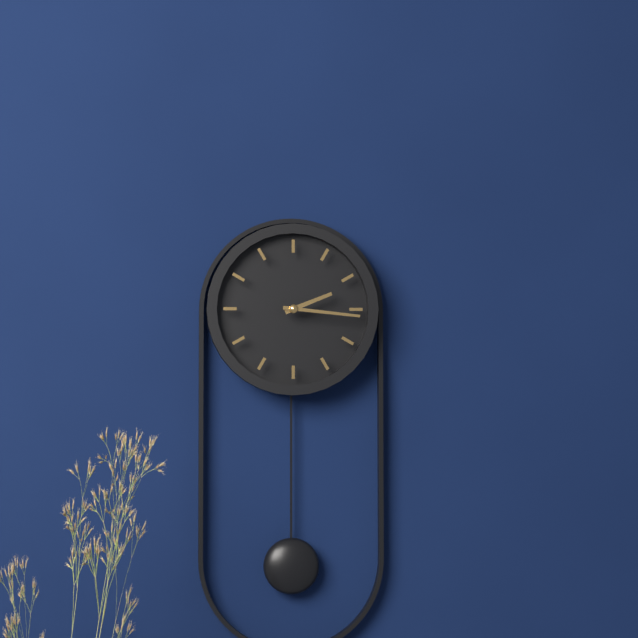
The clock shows h=2 m=16
